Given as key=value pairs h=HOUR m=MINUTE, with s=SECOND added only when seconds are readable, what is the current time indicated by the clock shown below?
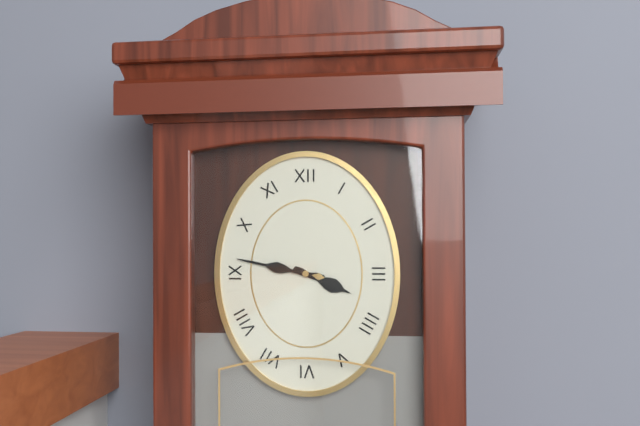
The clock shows h=3 m=47
